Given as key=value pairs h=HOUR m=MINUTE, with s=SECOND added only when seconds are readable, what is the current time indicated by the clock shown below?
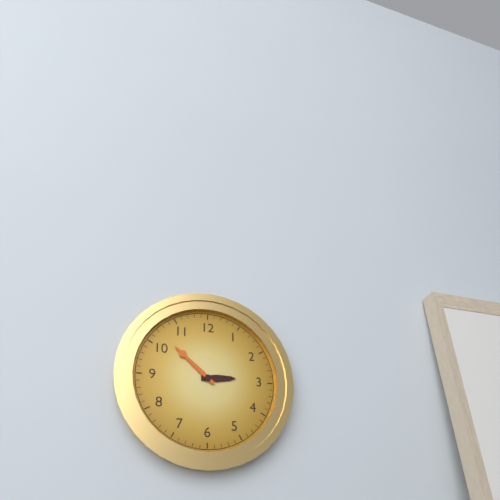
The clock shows h=2 m=52
